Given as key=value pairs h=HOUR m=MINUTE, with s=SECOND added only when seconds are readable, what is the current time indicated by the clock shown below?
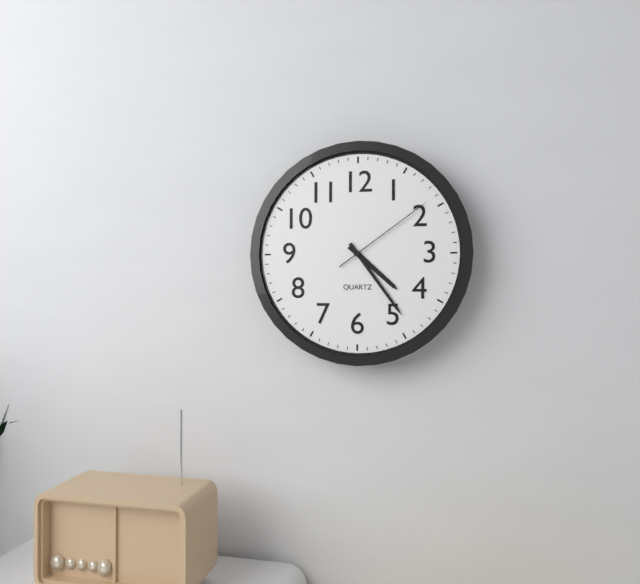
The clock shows h=4 m=24 s=9
